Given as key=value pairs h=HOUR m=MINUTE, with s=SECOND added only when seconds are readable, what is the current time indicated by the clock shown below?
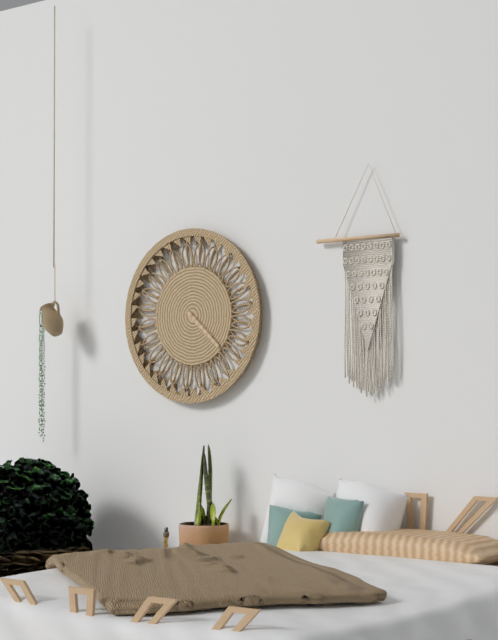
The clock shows h=4 m=22
